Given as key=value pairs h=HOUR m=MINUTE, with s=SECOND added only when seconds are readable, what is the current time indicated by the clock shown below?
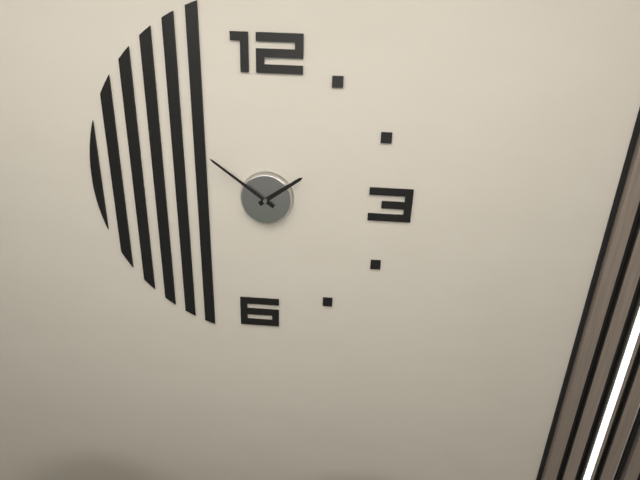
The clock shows h=1 m=51
